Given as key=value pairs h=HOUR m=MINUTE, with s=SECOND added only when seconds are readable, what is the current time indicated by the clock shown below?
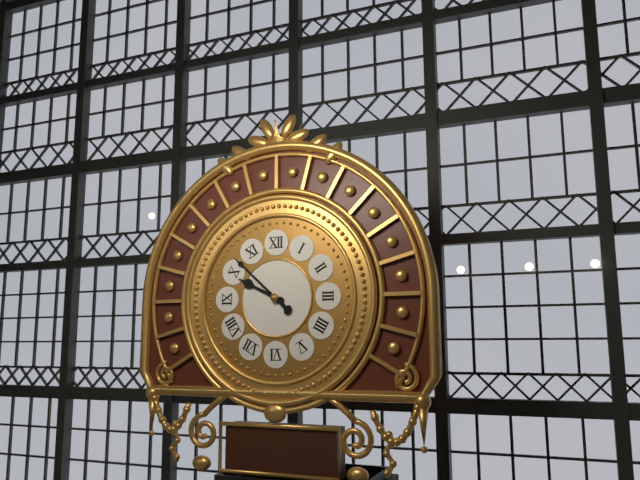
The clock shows h=9 m=52
